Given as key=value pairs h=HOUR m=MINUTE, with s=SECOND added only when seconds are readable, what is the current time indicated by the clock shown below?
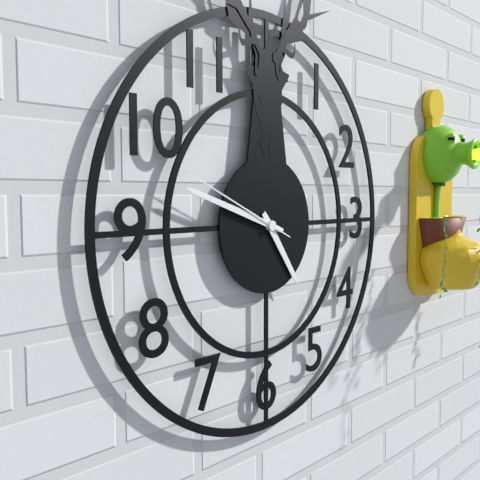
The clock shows h=4 m=48 s=49
